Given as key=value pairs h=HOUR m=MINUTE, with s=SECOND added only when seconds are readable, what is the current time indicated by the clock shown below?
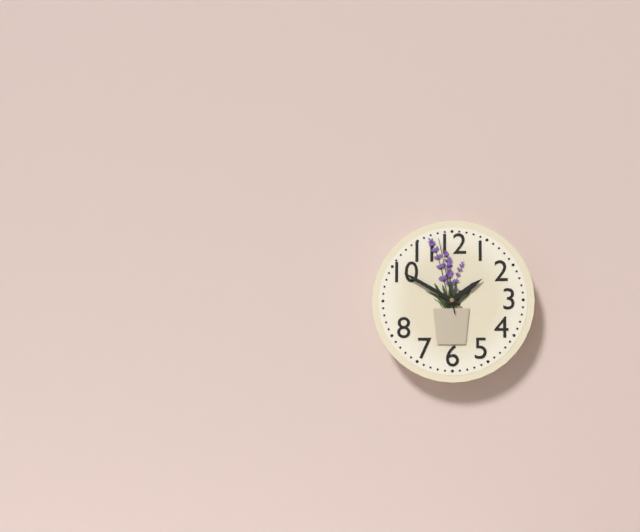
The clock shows h=1 m=50 s=58
